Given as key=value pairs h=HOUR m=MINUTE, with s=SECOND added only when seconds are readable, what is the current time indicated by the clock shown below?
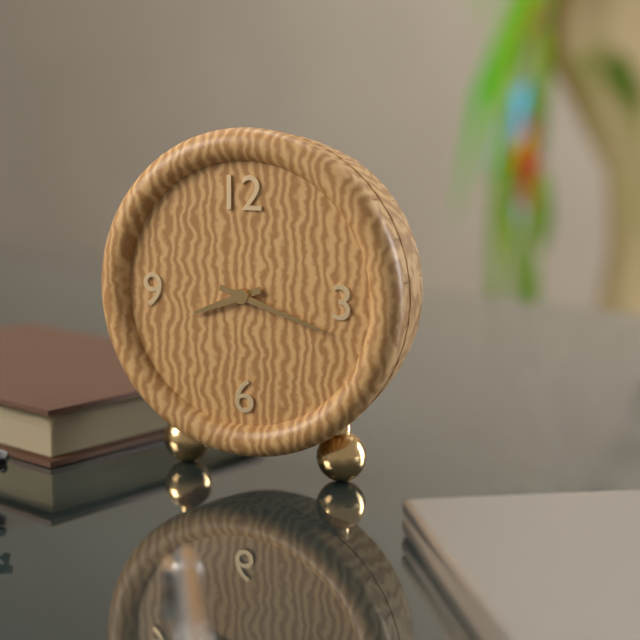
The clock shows h=8 m=18
